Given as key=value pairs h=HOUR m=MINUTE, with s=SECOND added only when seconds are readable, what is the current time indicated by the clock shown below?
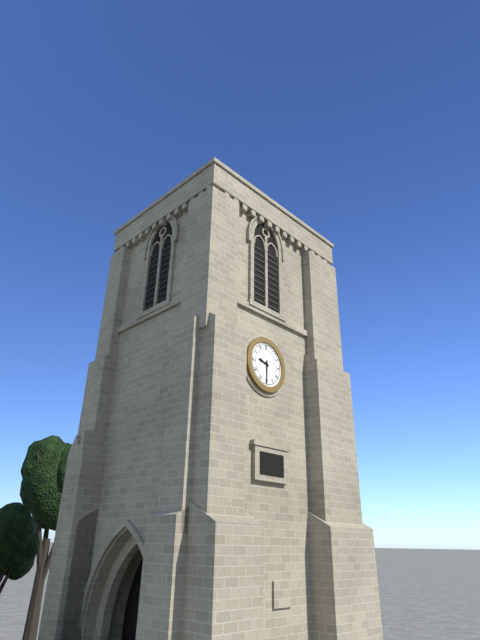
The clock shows h=9 m=30
